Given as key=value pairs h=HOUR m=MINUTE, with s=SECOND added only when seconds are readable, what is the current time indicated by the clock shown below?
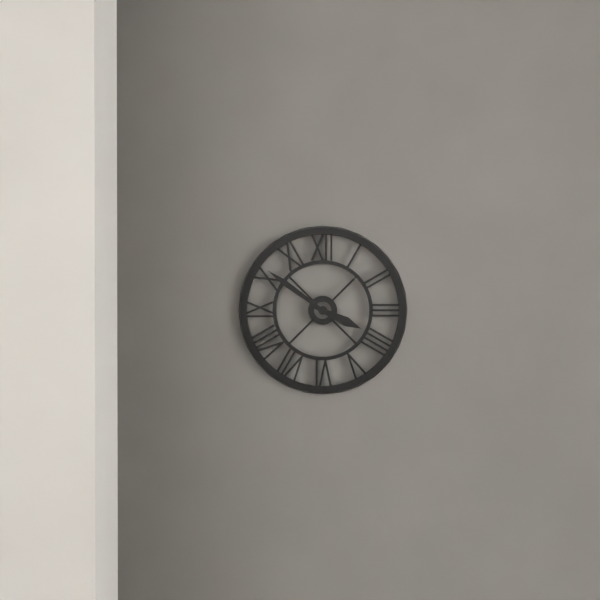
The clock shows h=3 m=51
